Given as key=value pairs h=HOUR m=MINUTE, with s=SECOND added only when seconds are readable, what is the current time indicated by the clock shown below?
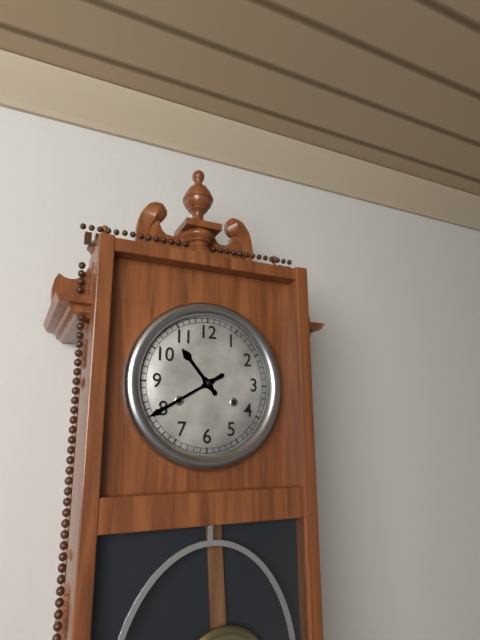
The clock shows h=10 m=40
